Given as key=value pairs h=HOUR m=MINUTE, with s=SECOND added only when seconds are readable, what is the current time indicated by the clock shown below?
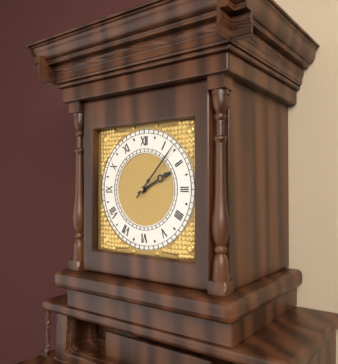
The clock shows h=2 m=7
